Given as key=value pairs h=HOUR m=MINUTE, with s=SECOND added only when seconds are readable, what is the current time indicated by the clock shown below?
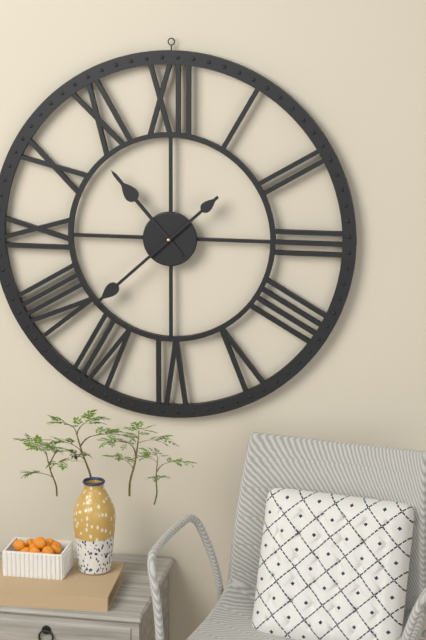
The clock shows h=10 m=38
